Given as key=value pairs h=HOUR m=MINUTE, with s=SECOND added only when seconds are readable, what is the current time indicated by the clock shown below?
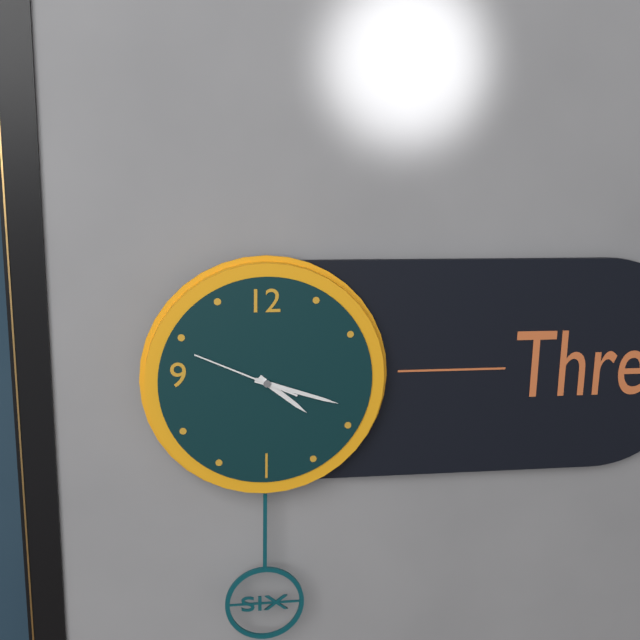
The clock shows h=4 m=18 s=49
